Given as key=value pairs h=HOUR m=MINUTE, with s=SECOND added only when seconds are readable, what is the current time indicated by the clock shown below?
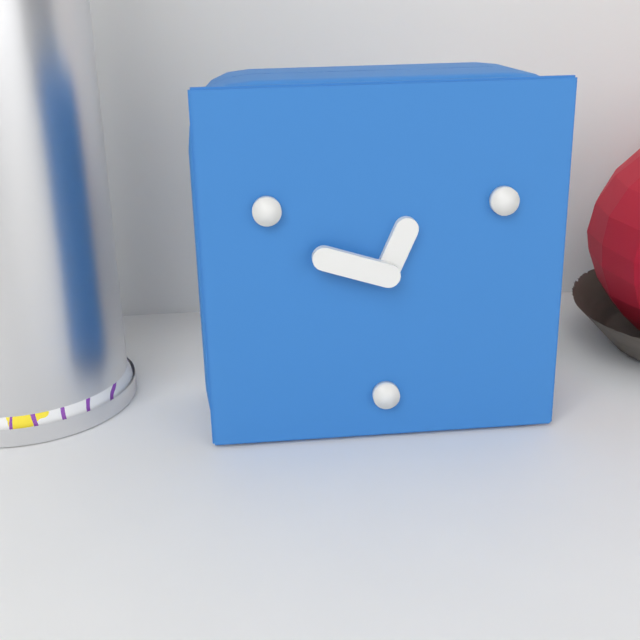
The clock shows h=12 m=48
